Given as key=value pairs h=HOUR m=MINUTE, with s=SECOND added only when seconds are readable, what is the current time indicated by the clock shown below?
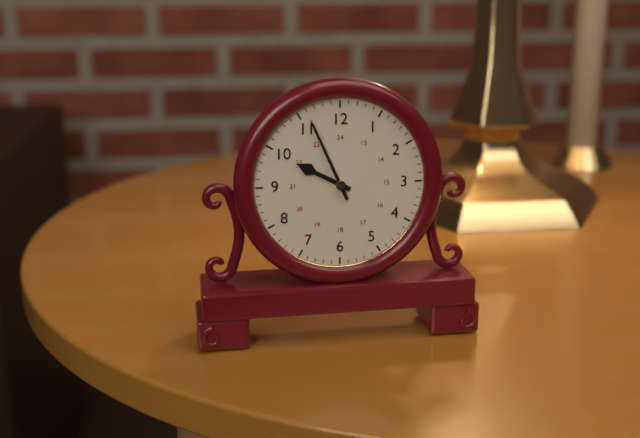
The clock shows h=9 m=56
